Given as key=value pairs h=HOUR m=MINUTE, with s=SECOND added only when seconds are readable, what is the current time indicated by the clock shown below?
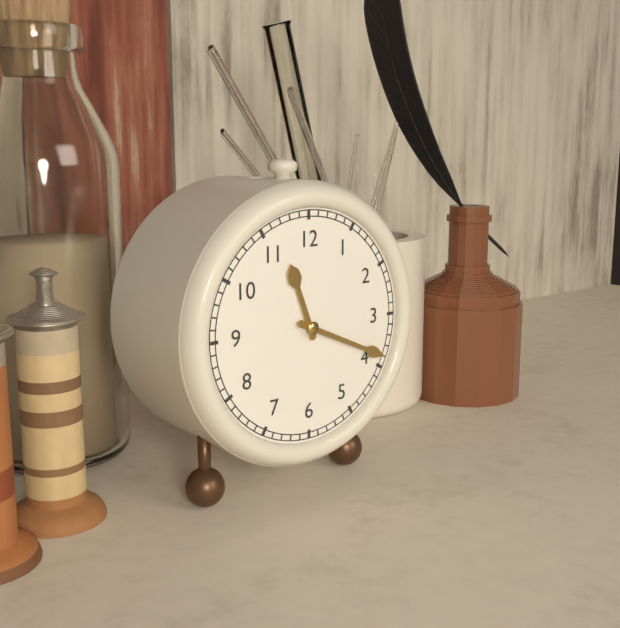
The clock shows h=11 m=19
